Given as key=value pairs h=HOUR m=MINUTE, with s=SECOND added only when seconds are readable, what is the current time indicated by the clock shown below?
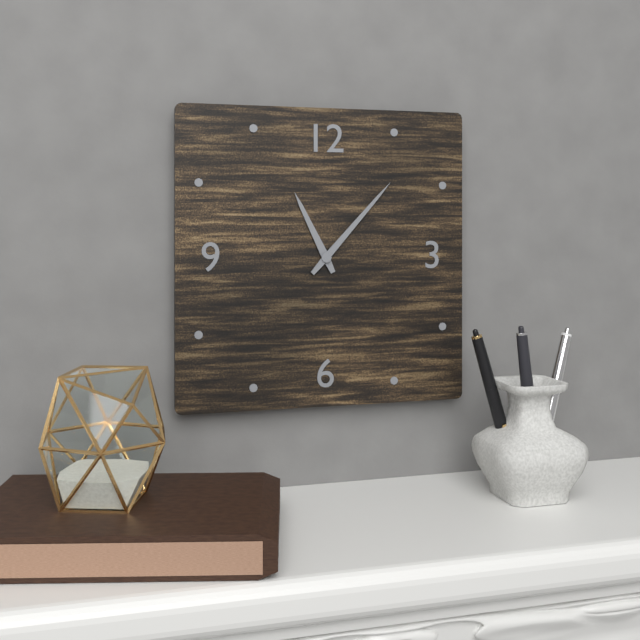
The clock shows h=11 m=7
